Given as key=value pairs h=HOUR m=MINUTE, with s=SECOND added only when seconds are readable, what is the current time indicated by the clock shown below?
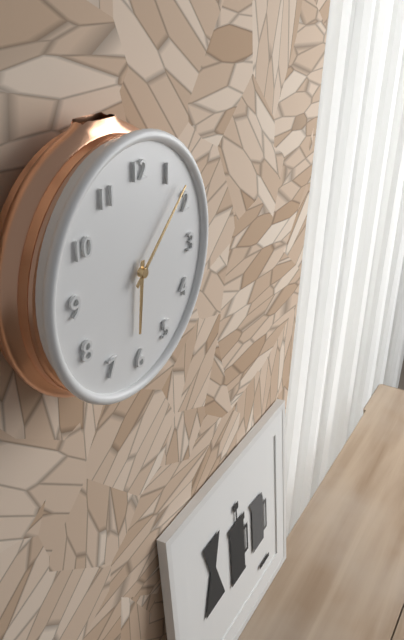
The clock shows h=6 m=8
